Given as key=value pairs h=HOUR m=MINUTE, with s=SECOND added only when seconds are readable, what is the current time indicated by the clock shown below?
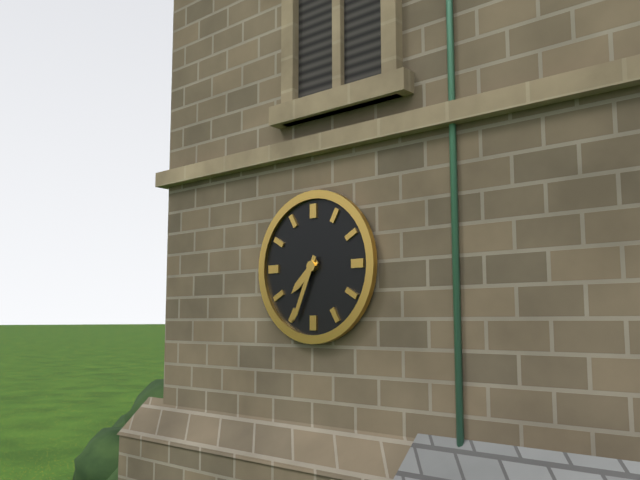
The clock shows h=7 m=34
